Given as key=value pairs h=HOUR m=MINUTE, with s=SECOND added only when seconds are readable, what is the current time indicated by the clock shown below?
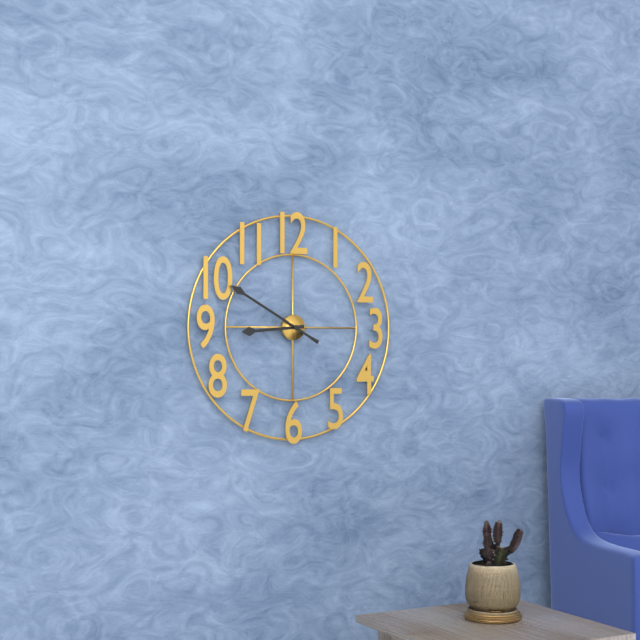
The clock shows h=8 m=50
